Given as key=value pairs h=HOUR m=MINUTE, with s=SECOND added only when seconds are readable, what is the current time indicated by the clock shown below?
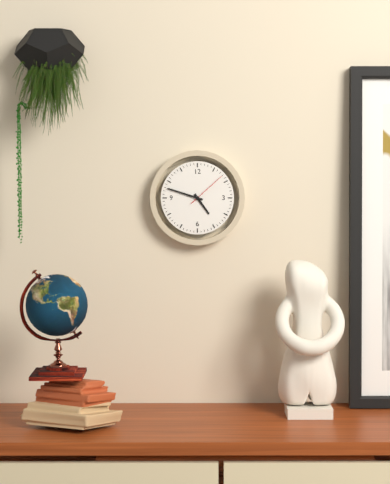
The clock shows h=4 m=48
